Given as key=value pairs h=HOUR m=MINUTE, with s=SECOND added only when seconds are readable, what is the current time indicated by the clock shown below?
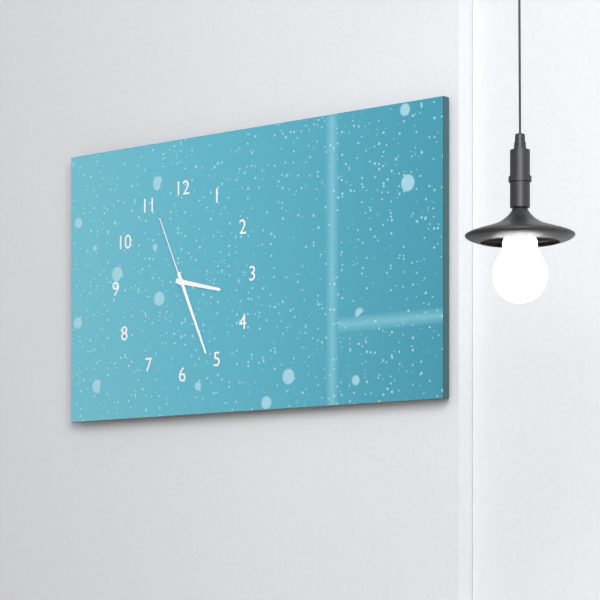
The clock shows h=3 m=26 s=56
